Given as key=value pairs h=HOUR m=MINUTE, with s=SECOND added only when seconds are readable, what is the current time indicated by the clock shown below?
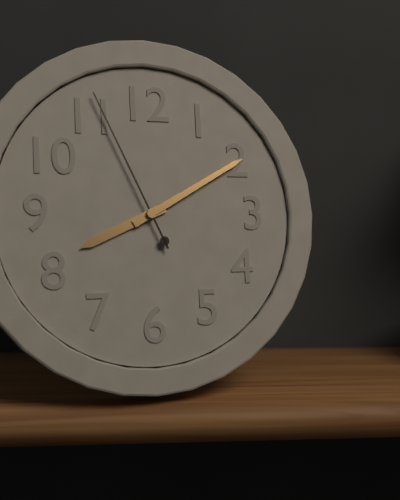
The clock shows h=8 m=10 s=56
